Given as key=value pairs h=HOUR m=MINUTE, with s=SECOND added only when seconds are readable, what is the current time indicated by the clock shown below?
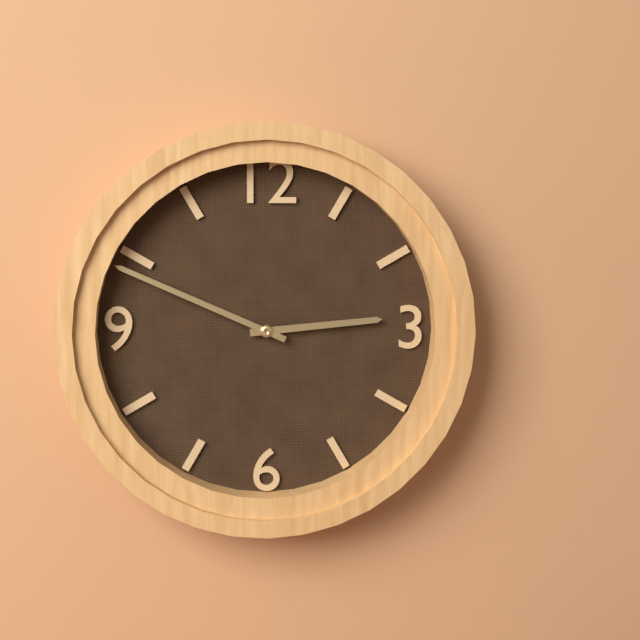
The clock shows h=2 m=49
